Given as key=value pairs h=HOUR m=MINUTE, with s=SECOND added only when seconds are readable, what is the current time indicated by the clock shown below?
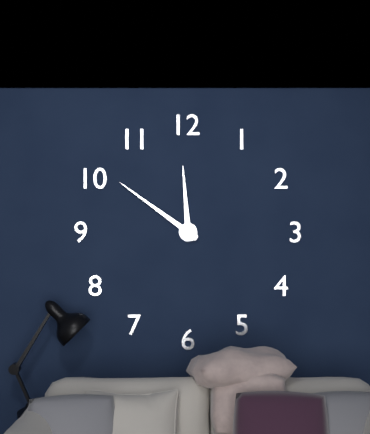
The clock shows h=11 m=51
